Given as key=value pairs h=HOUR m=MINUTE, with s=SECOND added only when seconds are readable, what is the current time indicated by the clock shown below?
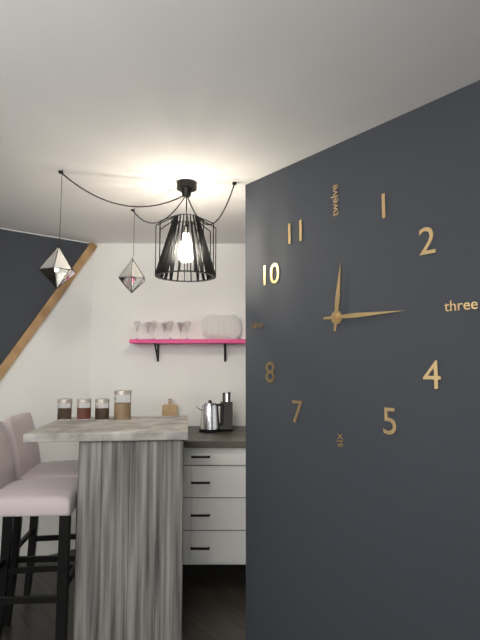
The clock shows h=12 m=15
